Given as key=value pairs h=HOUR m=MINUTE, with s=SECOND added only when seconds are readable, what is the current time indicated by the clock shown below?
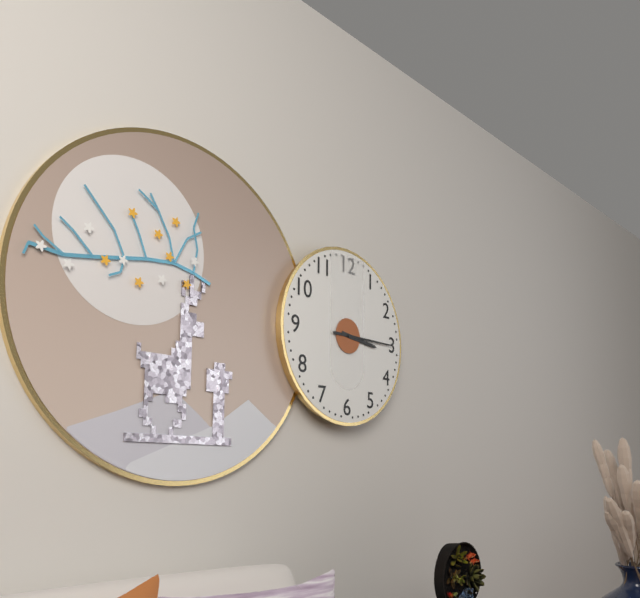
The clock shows h=3 m=15
